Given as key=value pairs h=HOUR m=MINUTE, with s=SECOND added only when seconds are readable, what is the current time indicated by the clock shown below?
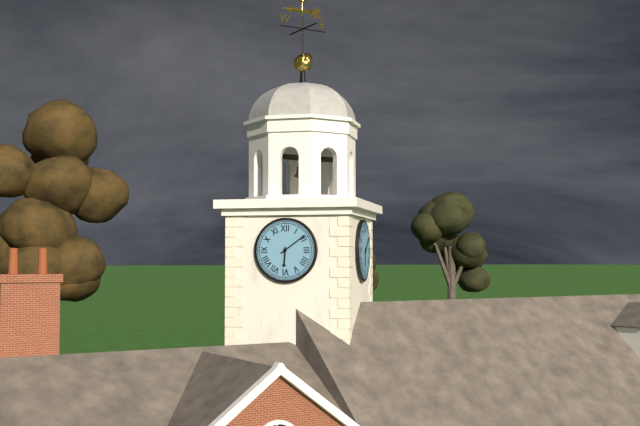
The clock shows h=6 m=9
